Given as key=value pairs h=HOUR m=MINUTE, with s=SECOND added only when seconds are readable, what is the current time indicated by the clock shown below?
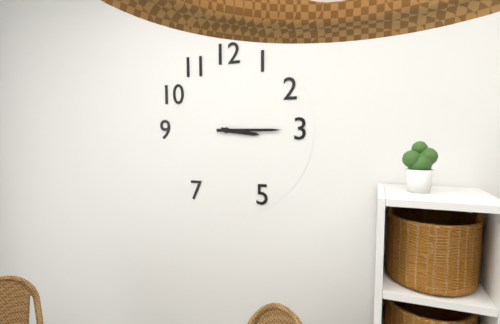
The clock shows h=3 m=15
